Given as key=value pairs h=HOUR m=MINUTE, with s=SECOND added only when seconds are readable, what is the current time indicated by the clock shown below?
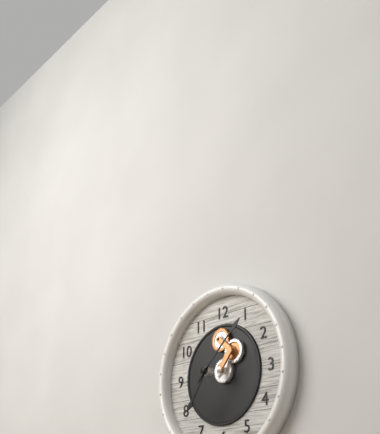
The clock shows h=7 m=8
